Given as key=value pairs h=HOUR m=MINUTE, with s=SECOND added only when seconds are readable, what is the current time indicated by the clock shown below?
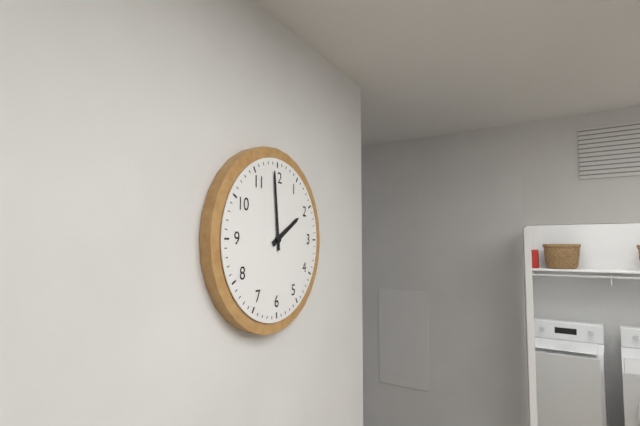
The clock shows h=1 m=59
